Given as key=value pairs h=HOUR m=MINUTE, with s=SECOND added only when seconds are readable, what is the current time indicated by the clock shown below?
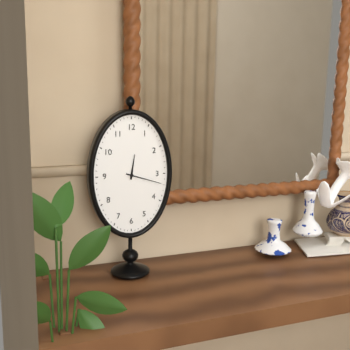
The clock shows h=12 m=18
